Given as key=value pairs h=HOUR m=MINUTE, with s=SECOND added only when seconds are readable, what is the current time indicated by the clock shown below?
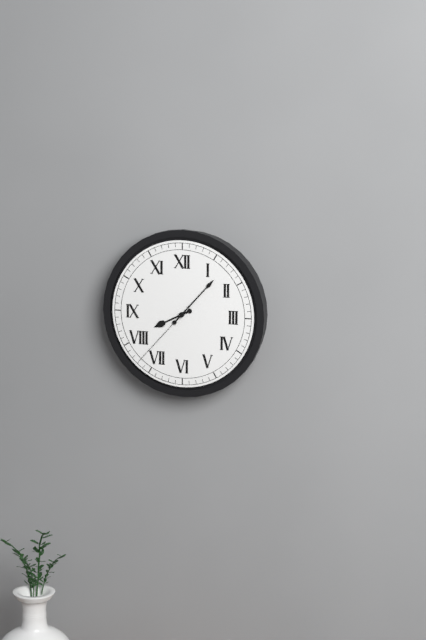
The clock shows h=8 m=7 s=37
